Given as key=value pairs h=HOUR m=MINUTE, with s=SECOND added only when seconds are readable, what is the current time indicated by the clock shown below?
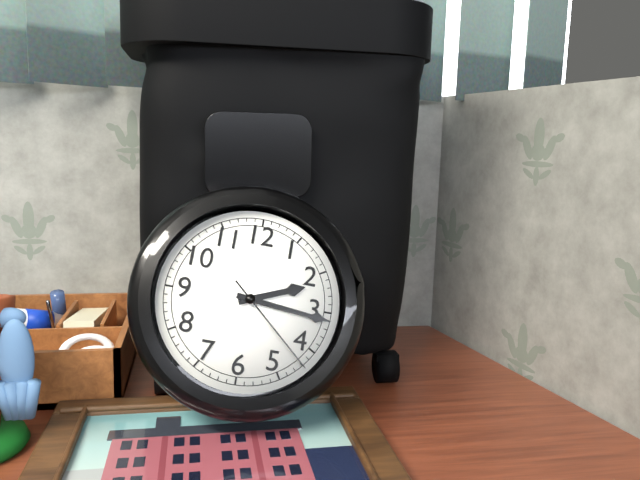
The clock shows h=2 m=16 s=22
